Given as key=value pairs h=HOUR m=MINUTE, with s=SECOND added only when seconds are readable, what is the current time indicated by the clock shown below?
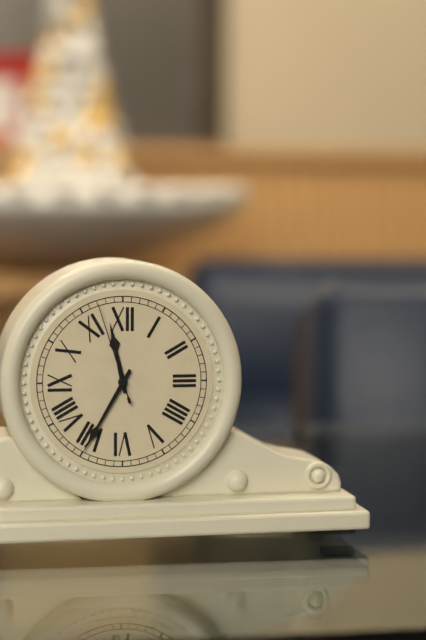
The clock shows h=11 m=35 s=57
